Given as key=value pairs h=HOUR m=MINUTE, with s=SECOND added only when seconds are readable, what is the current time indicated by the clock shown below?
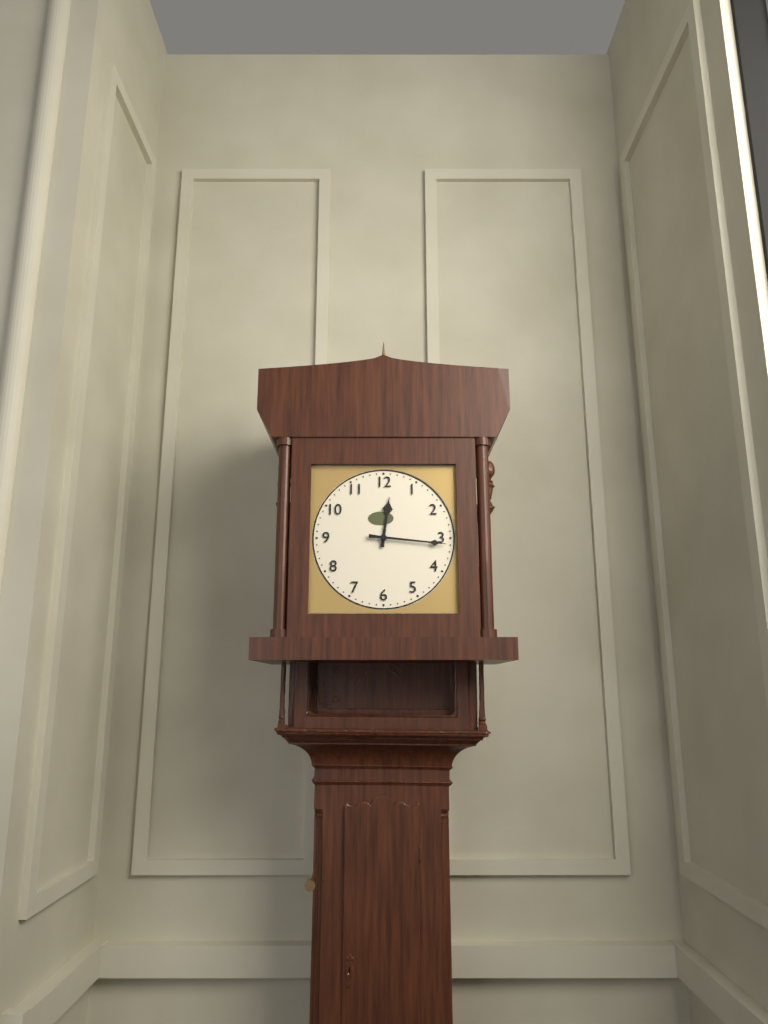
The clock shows h=12 m=16
